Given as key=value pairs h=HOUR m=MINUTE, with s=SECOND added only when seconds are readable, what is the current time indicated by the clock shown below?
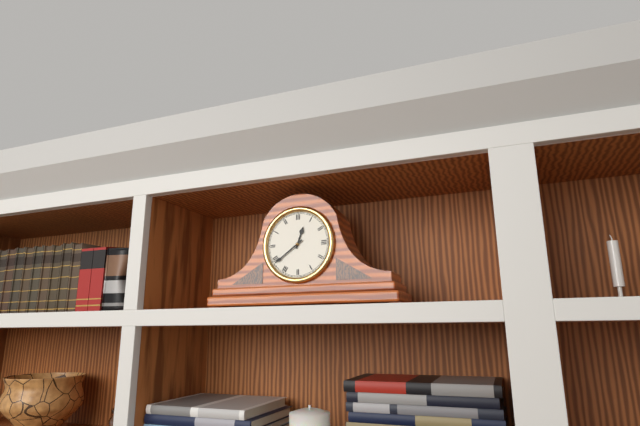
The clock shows h=12 m=39
